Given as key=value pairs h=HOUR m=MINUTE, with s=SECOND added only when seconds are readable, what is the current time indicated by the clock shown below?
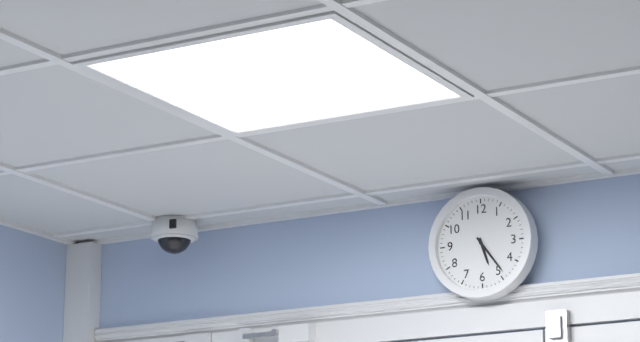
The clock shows h=5 m=24
